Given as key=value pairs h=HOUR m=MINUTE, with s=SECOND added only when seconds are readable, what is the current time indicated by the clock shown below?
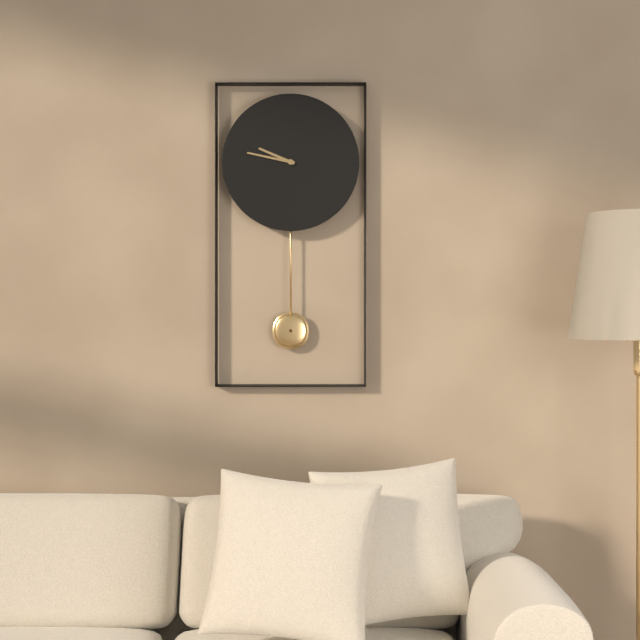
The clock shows h=9 m=47
